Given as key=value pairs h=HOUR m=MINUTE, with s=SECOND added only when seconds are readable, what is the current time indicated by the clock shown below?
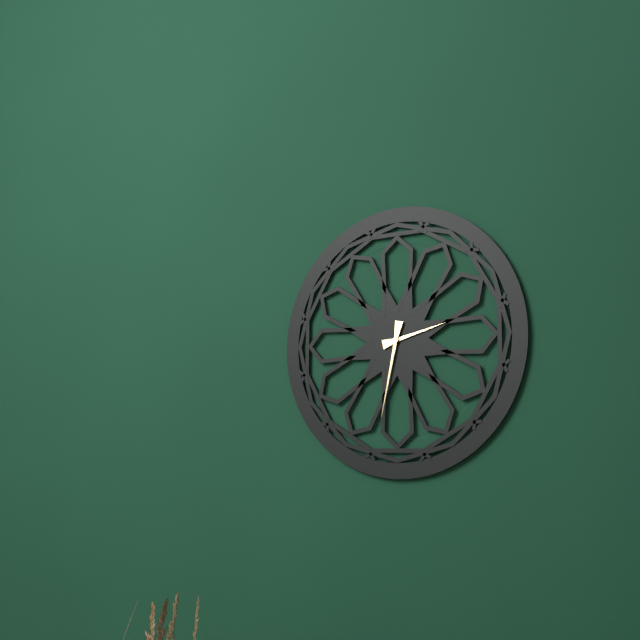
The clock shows h=2 m=32
